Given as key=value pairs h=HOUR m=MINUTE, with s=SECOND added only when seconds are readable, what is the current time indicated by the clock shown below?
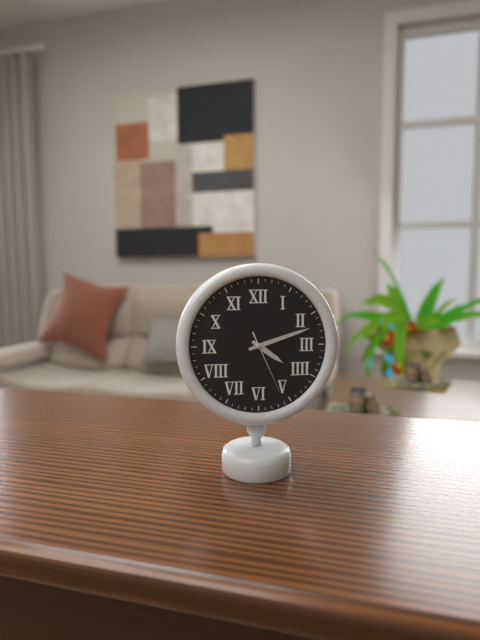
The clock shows h=4 m=12 s=26
